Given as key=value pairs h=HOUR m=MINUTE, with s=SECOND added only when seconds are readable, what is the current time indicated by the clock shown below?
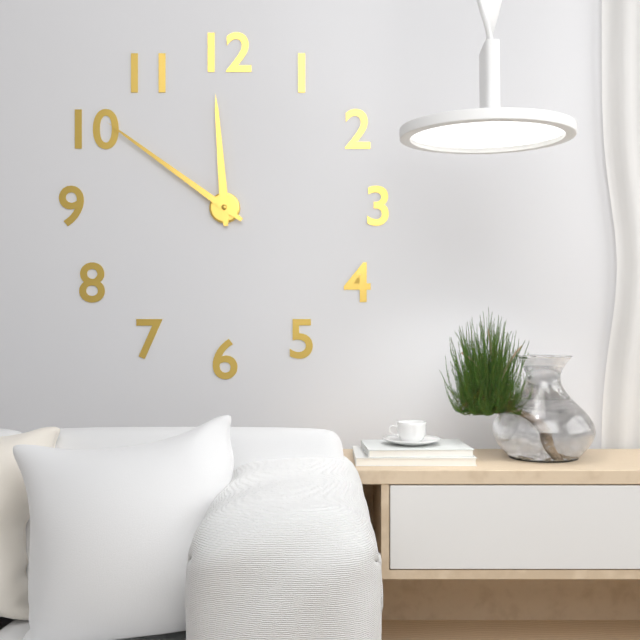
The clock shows h=11 m=51
